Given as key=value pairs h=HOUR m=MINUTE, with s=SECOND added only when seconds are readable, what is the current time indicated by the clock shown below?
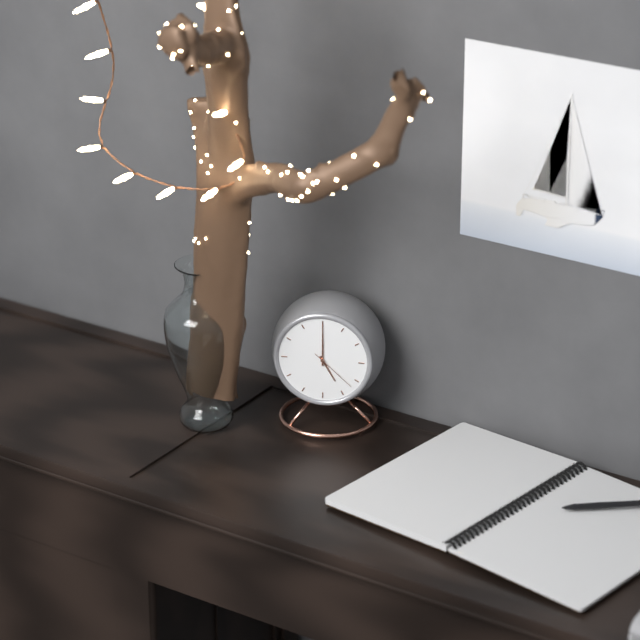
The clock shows h=5 m=0
